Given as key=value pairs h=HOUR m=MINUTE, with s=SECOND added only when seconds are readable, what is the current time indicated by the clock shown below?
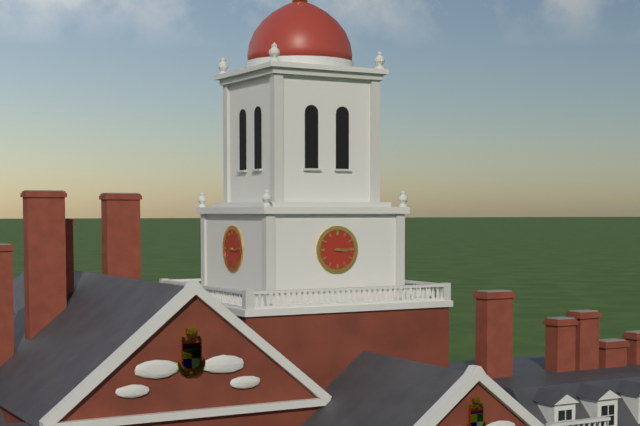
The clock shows h=3 m=15
